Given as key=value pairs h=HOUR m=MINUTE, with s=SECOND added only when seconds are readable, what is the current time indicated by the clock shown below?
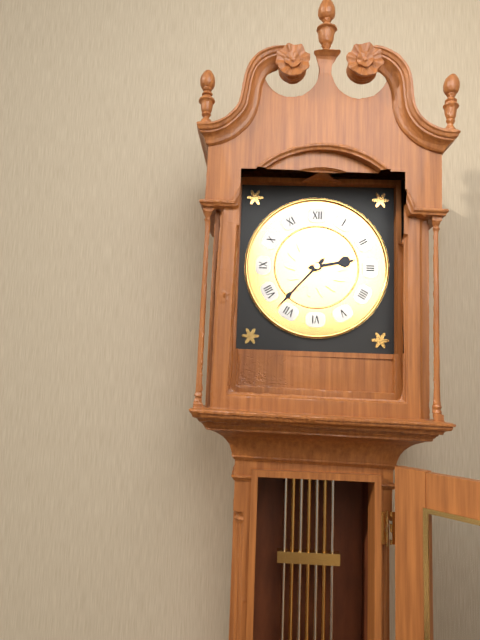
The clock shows h=2 m=37
